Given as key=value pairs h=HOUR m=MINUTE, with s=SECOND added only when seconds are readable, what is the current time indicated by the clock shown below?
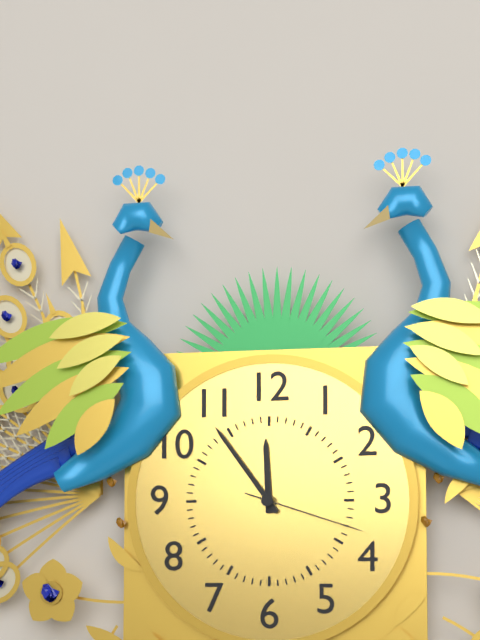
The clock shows h=11 m=54 s=18
